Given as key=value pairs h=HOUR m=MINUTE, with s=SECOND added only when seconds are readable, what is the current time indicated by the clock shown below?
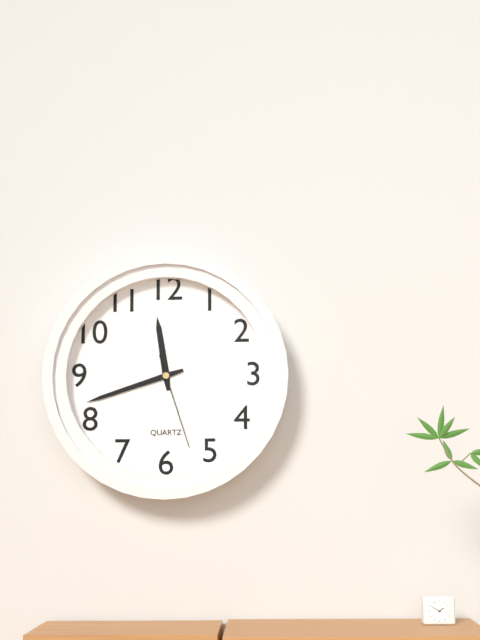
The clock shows h=11 m=42 s=27
